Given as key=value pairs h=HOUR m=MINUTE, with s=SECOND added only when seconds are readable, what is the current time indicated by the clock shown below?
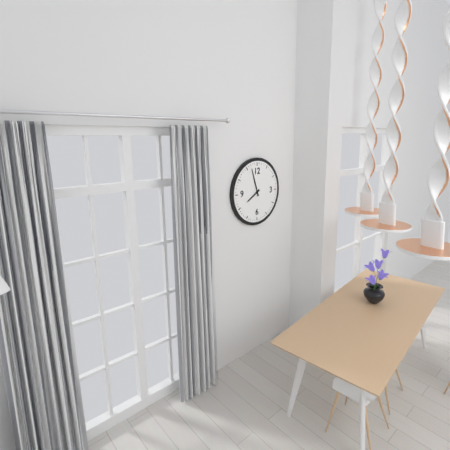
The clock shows h=7 m=57
